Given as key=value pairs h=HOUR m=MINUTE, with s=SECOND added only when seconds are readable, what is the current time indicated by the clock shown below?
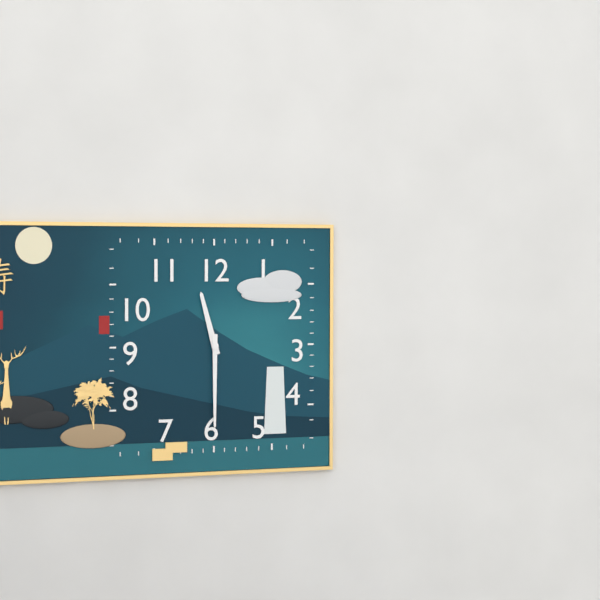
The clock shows h=11 m=30
